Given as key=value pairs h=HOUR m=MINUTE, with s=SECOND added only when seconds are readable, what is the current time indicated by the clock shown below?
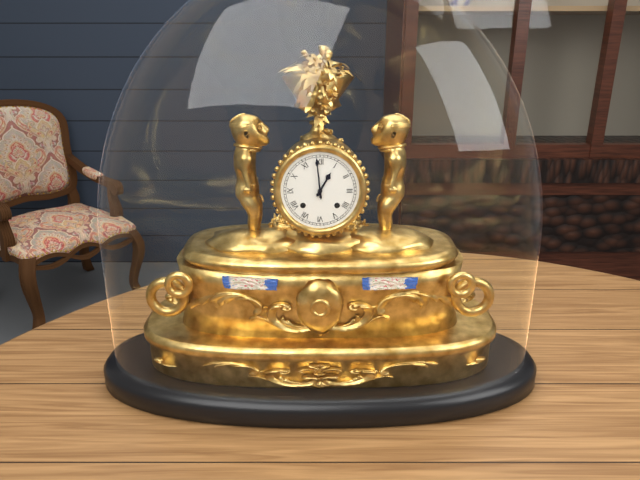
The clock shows h=12 m=59
